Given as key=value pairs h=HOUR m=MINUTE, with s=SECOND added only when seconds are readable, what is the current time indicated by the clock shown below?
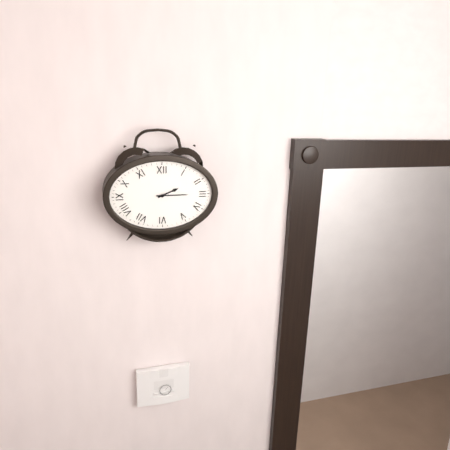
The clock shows h=2 m=15
